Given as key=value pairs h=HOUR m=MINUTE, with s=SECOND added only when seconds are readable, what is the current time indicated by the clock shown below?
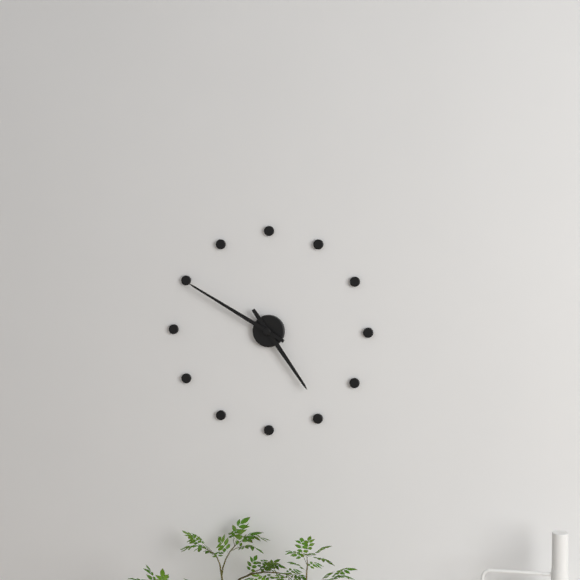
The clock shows h=4 m=50
